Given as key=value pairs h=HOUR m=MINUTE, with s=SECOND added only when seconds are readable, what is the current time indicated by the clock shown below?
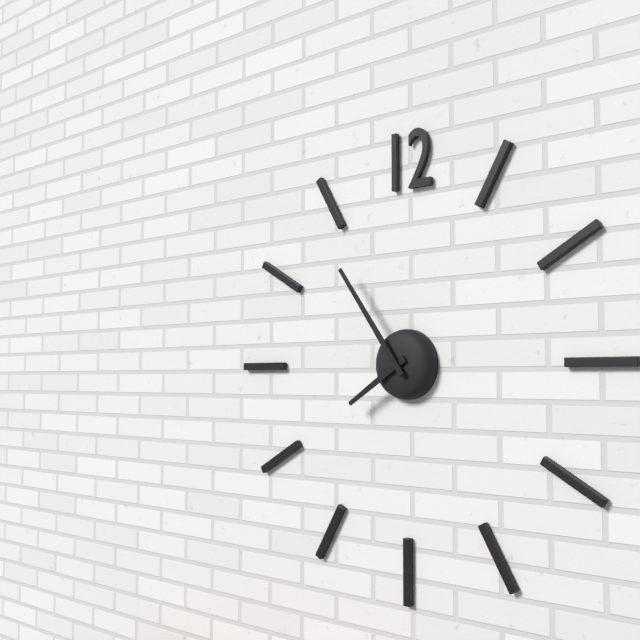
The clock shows h=7 m=54
